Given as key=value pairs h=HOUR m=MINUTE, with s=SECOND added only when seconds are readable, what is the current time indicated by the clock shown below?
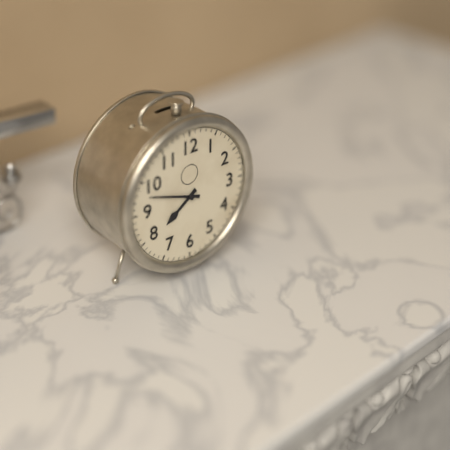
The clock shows h=7 m=48
